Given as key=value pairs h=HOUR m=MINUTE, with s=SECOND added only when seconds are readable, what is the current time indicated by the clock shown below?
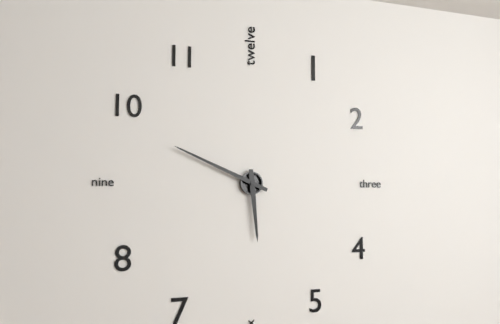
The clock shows h=5 m=49
